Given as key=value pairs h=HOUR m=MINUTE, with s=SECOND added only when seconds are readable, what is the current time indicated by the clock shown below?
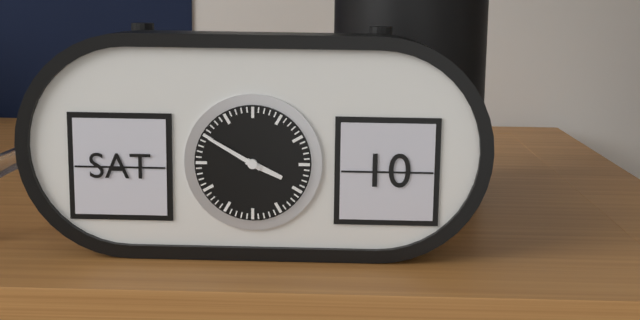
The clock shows h=3 m=50
